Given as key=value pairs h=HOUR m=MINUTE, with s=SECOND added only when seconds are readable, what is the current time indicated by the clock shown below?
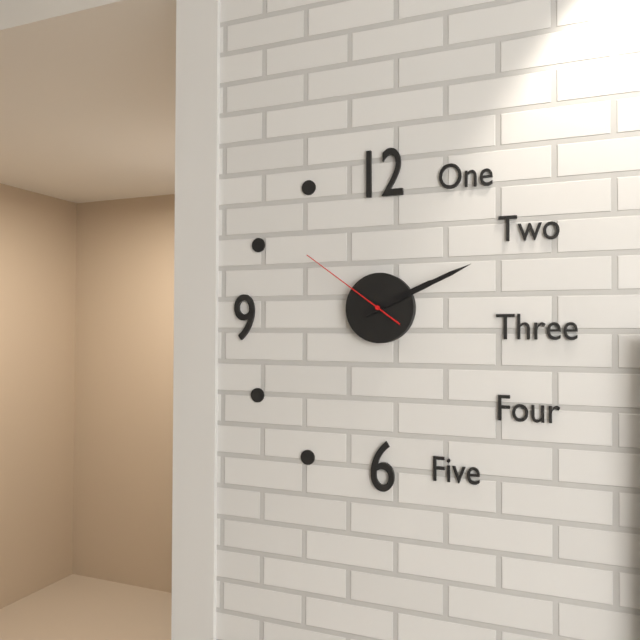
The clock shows h=2 m=11 s=51
